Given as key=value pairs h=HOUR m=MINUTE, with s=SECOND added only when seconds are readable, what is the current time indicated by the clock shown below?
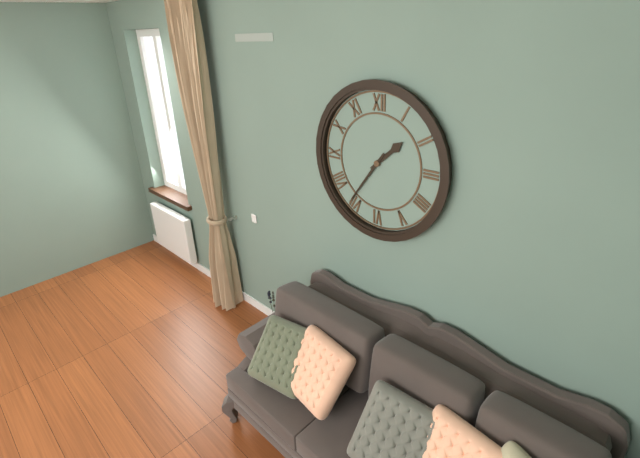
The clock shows h=1 m=36
